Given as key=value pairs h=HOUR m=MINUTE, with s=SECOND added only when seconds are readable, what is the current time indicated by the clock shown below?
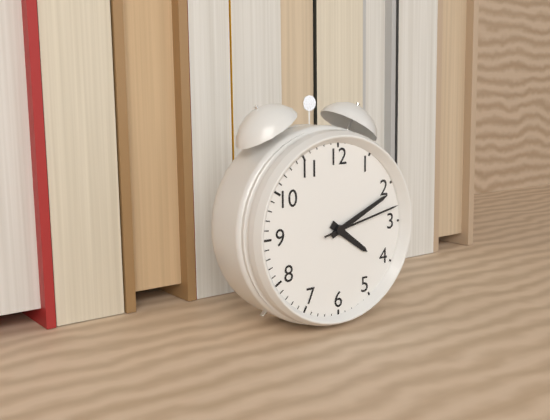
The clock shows h=4 m=11 s=13
